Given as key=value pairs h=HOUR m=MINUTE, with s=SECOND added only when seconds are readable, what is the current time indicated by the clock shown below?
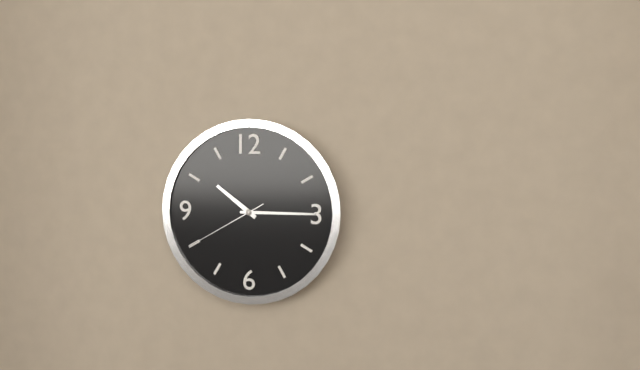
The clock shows h=10 m=15 s=40
